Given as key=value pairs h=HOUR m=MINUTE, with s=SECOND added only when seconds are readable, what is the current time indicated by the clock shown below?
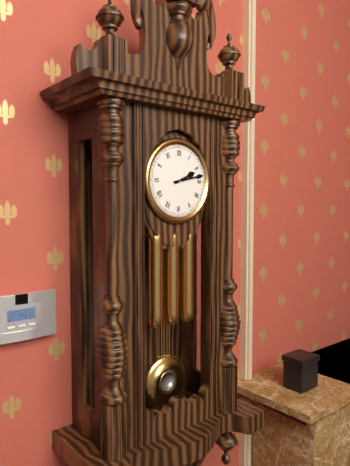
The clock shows h=2 m=13
